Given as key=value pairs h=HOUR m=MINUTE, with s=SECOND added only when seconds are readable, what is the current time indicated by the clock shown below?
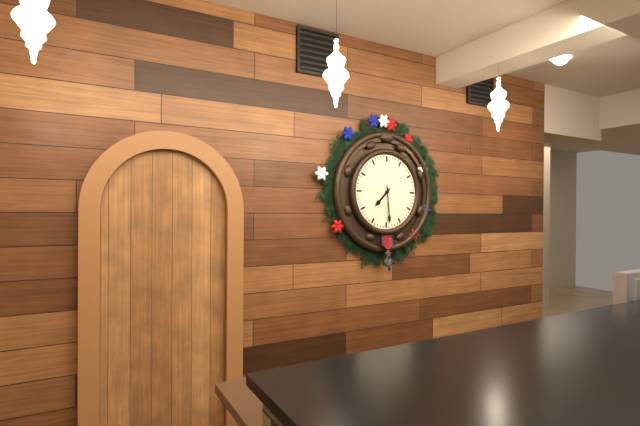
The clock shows h=7 m=29
